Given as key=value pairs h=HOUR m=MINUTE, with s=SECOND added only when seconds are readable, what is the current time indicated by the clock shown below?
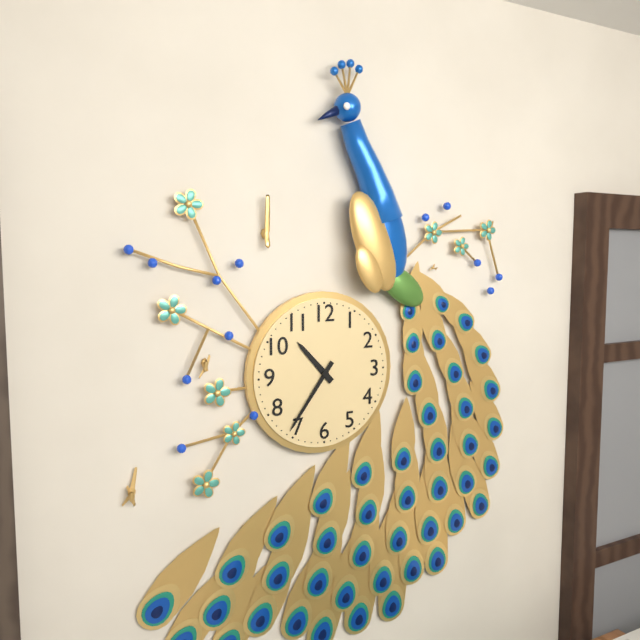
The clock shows h=10 m=36
